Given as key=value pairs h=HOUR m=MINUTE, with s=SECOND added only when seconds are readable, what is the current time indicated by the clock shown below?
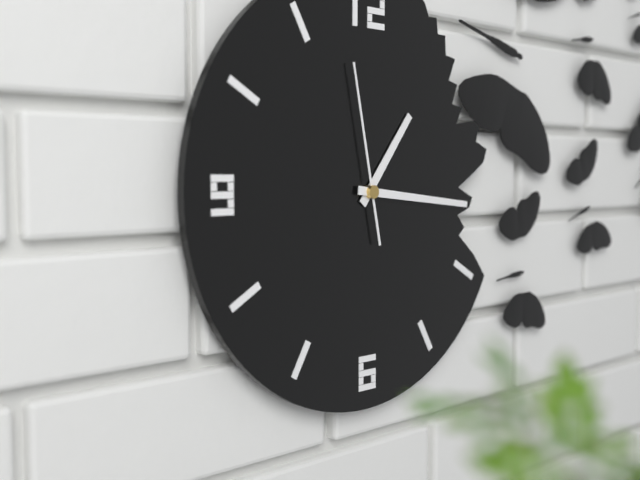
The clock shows h=1 m=16 s=58
